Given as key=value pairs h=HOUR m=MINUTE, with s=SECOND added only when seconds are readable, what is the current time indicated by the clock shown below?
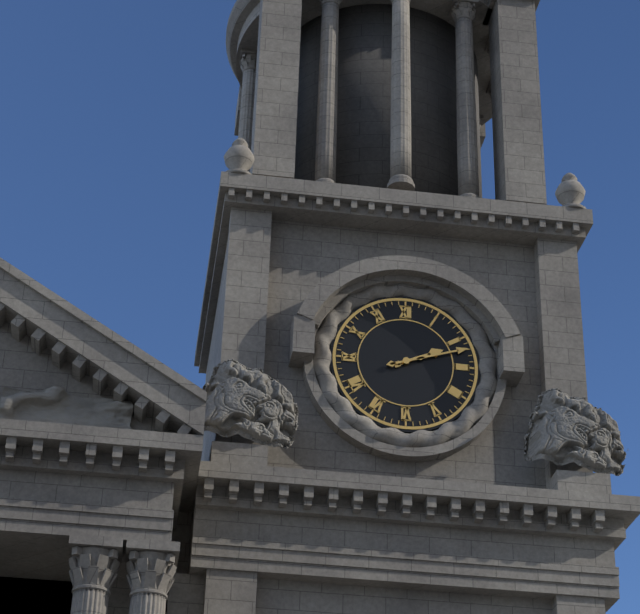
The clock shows h=2 m=12
